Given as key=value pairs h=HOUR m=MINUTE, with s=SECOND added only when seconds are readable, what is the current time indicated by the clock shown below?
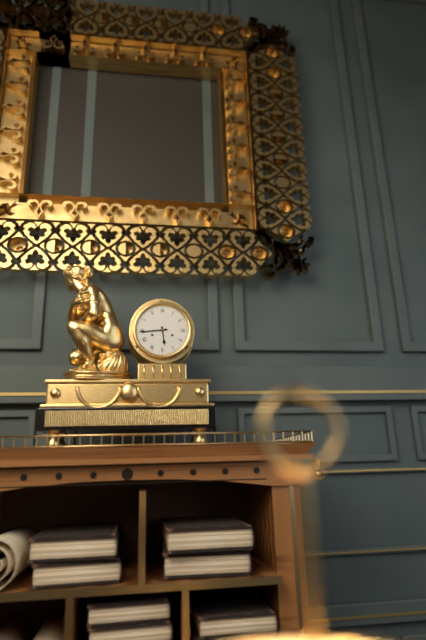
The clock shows h=5 m=44
